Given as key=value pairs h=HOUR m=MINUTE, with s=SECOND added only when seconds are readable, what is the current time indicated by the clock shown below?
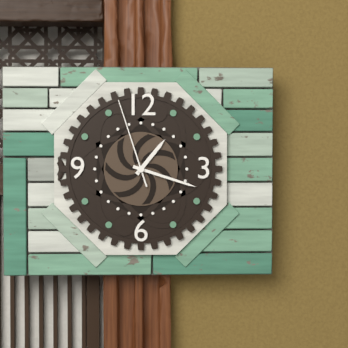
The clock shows h=1 m=18 s=57
